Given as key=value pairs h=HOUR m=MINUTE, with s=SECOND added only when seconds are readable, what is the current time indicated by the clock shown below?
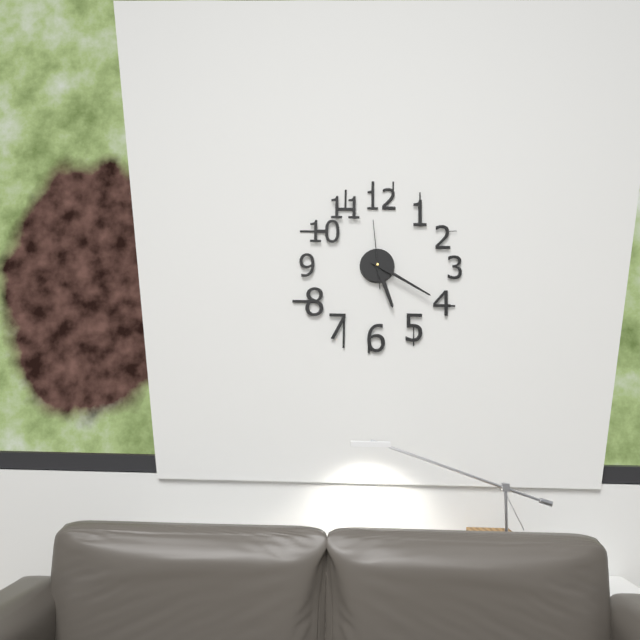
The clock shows h=5 m=20 s=59
